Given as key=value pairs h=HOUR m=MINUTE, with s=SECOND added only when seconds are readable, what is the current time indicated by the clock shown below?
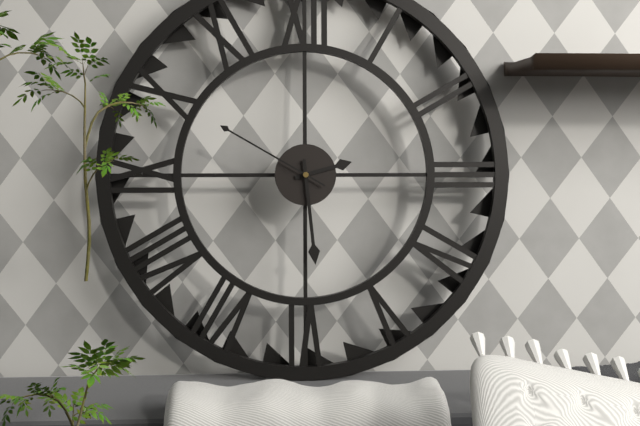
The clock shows h=2 m=29 s=50
